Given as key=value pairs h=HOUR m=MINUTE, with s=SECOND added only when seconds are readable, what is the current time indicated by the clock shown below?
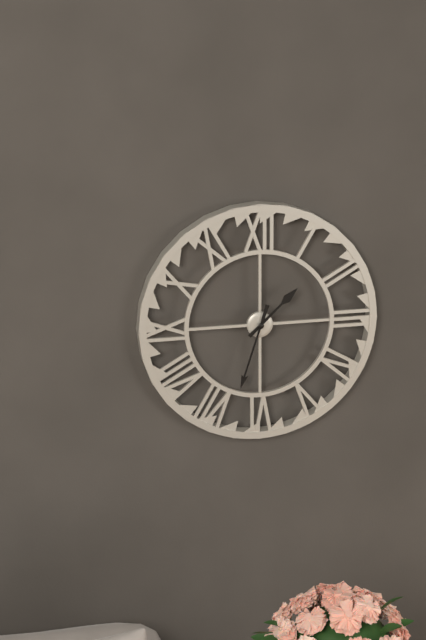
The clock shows h=1 m=33
